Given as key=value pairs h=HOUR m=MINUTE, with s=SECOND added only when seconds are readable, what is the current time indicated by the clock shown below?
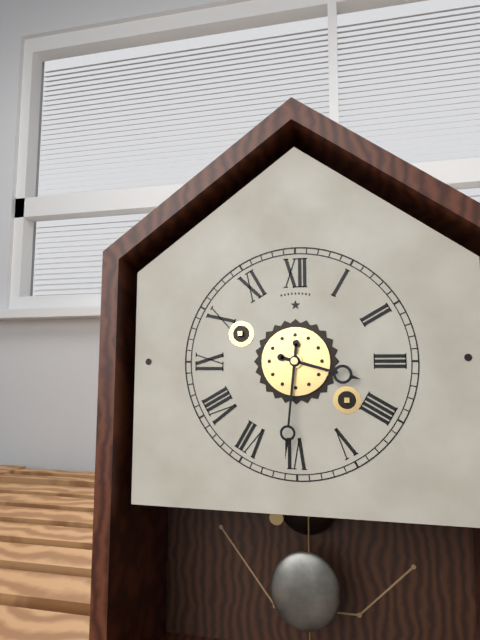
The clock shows h=3 m=31
